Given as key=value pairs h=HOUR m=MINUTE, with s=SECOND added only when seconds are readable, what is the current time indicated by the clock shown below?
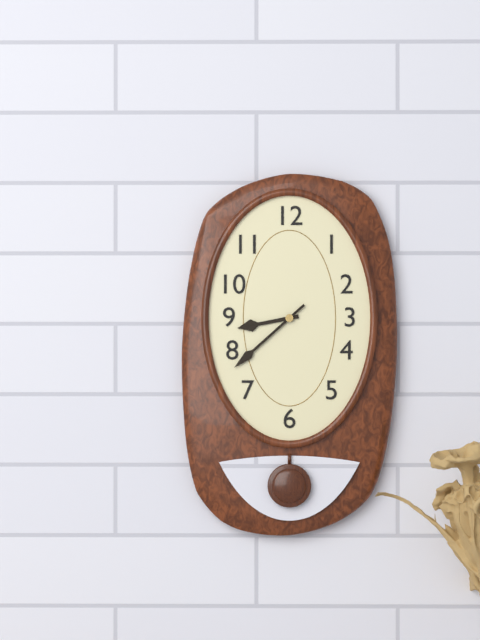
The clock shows h=8 m=38
